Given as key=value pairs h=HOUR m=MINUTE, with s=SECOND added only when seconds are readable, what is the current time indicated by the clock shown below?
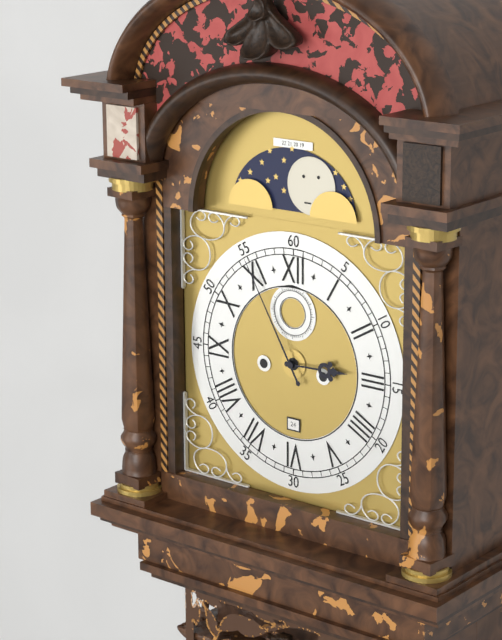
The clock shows h=2 m=55
